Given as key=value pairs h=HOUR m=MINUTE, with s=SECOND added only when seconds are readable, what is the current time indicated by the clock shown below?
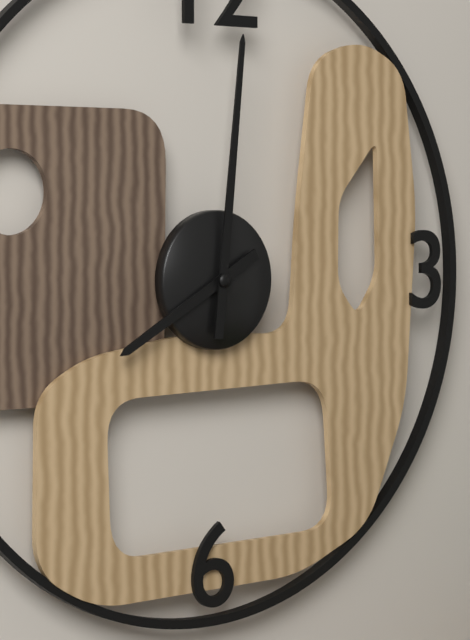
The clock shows h=8 m=1
